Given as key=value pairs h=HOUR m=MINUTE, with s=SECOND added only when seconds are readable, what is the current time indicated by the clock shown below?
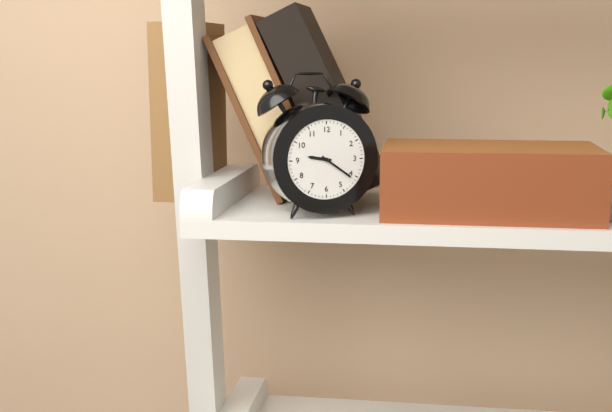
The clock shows h=9 m=21
